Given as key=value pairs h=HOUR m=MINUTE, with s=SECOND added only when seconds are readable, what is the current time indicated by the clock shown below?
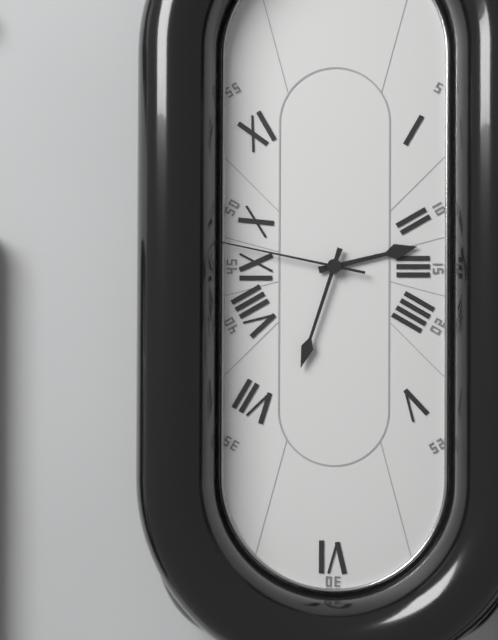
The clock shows h=2 m=33 s=47
